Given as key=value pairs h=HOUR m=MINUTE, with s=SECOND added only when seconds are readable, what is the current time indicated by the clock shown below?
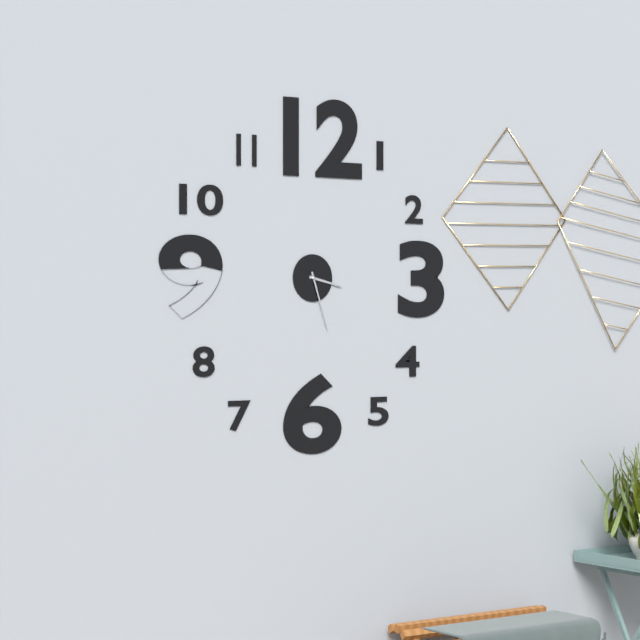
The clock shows h=3 m=27
